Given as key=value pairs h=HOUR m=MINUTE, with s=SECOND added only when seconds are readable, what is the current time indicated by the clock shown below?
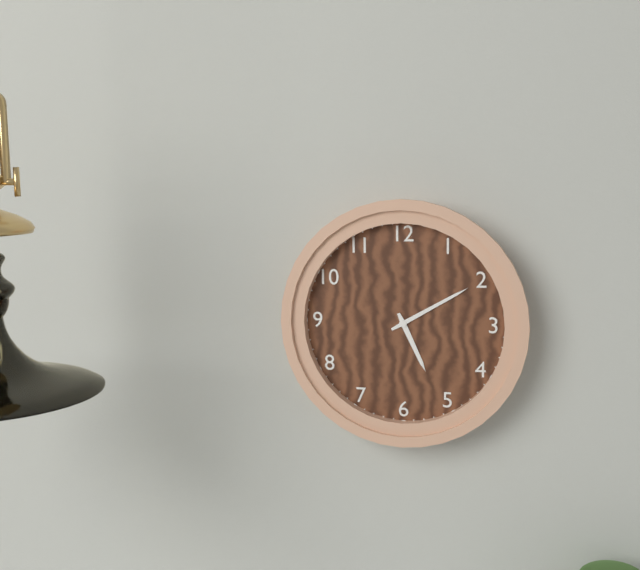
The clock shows h=5 m=10
